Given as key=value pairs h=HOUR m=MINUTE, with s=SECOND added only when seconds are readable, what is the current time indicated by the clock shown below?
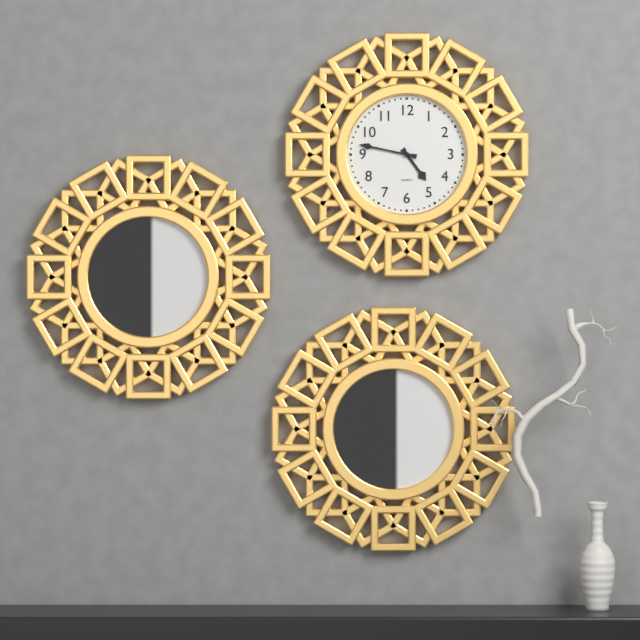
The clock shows h=4 m=47
